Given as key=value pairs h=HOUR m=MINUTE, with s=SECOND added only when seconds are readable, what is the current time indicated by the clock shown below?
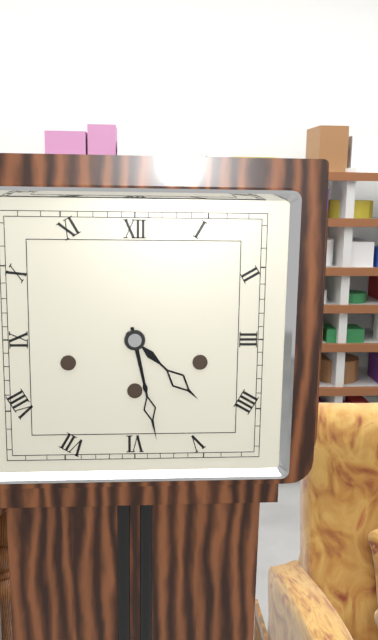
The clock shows h=4 m=28
